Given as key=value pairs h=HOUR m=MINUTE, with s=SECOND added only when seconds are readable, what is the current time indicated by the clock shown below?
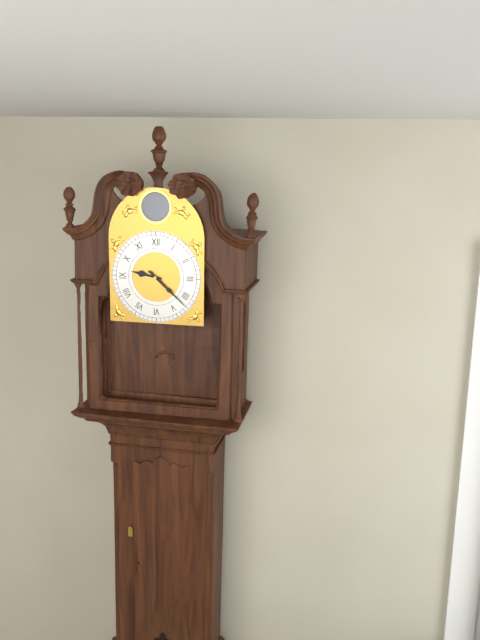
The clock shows h=9 m=22
